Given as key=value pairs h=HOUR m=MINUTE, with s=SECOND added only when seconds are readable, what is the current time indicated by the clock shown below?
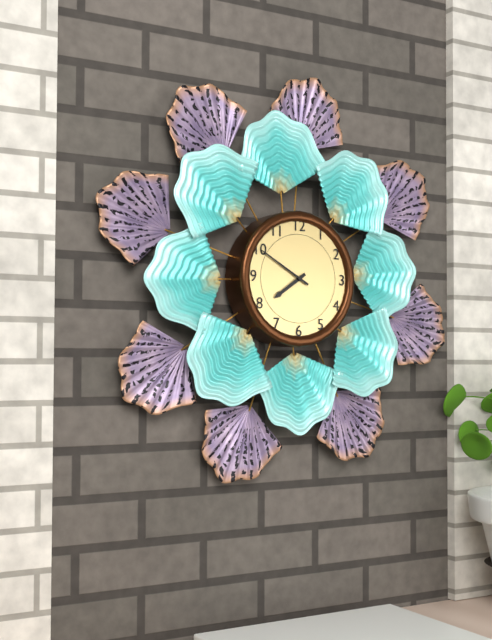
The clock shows h=7 m=50
